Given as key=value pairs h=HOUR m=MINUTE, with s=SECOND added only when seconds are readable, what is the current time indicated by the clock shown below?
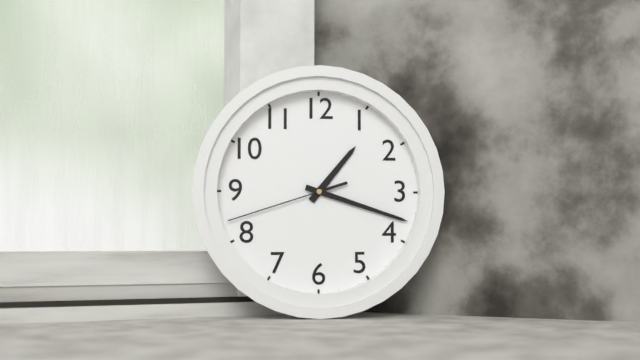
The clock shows h=1 m=18 s=42
